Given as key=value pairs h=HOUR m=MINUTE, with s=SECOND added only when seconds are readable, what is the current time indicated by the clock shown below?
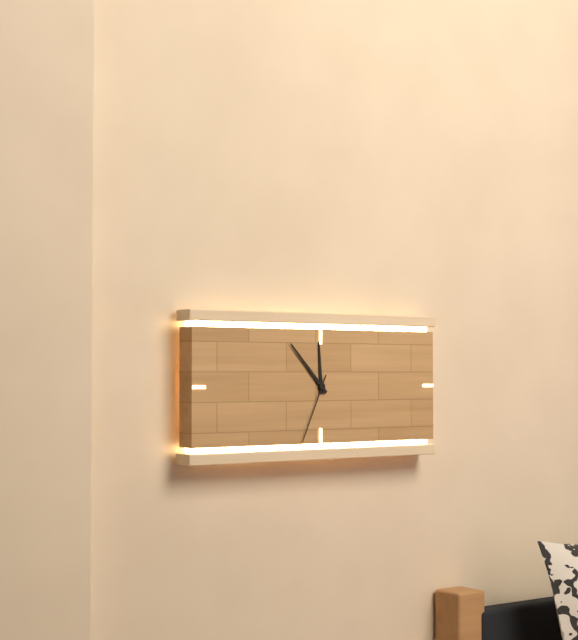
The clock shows h=11 m=53 s=34
